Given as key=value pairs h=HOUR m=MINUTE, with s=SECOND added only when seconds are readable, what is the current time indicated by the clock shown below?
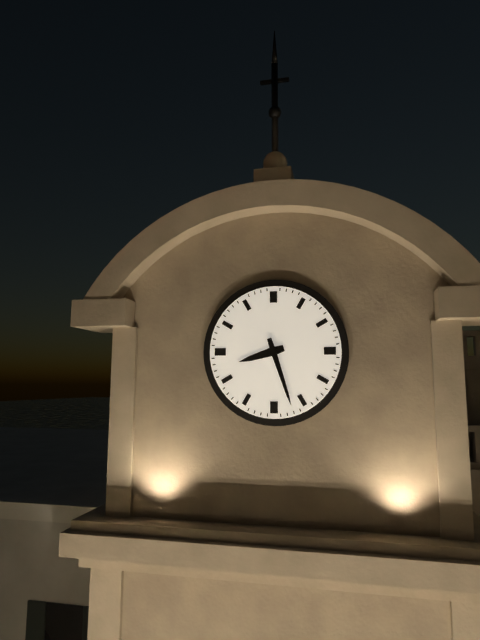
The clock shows h=8 m=27
